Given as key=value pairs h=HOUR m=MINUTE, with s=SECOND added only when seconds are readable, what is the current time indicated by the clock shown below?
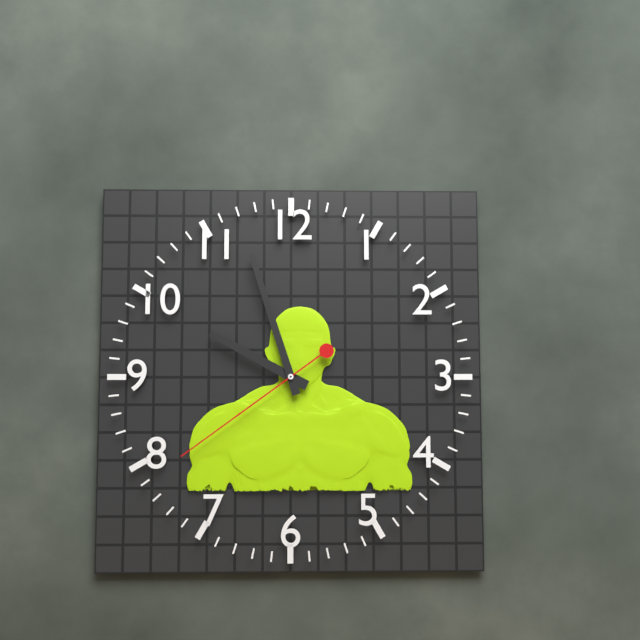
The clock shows h=9 m=57 s=39
